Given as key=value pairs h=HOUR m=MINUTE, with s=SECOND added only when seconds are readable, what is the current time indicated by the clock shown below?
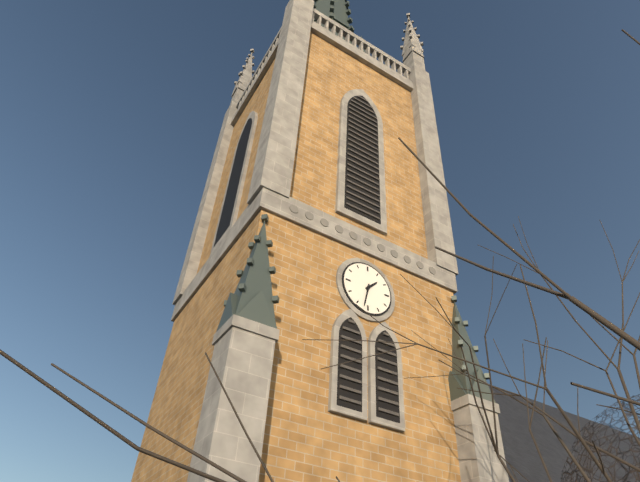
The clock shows h=1 m=32
